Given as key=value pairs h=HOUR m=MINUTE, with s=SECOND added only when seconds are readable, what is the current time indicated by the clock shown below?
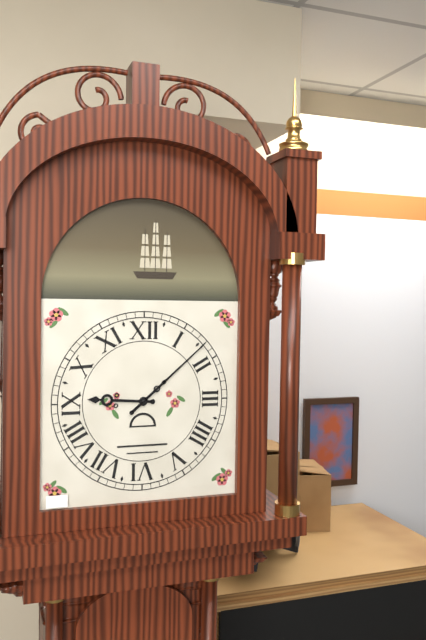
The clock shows h=9 m=8
